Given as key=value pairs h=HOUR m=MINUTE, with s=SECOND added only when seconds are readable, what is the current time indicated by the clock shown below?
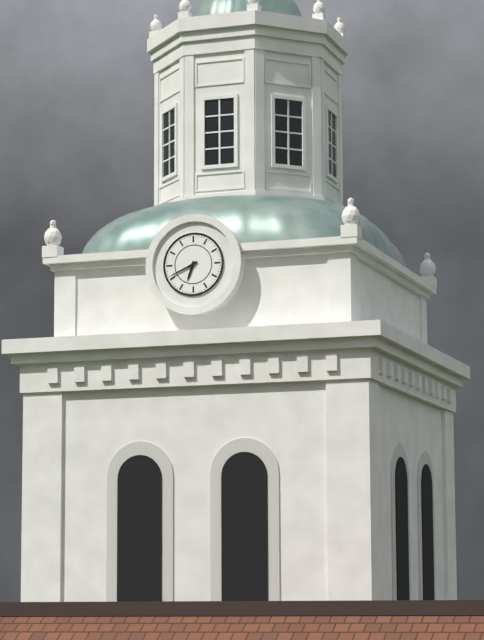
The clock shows h=6 m=41
